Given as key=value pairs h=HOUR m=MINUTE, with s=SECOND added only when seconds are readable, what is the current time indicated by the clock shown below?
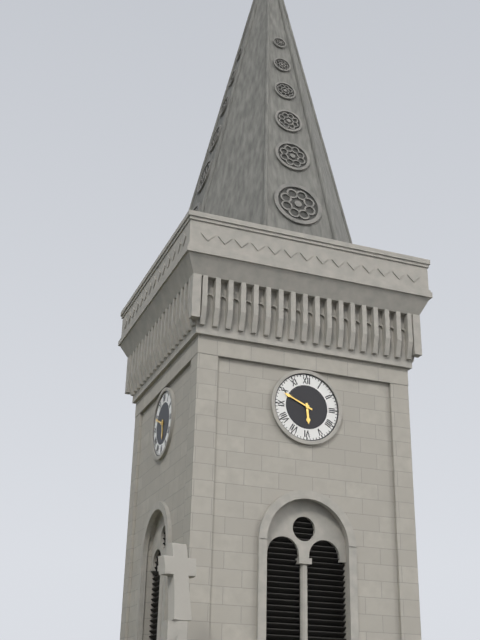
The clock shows h=5 m=49
